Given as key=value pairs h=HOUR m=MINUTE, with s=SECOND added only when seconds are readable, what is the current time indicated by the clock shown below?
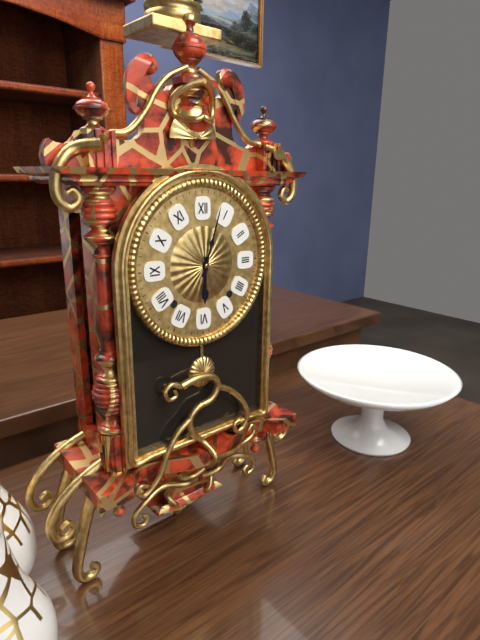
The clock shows h=6 m=3
